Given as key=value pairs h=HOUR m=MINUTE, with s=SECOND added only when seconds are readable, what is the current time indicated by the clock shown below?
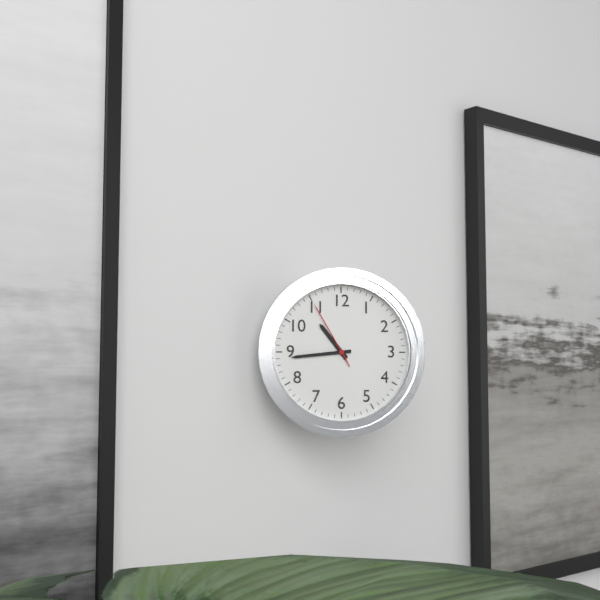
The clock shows h=10 m=44 s=55
